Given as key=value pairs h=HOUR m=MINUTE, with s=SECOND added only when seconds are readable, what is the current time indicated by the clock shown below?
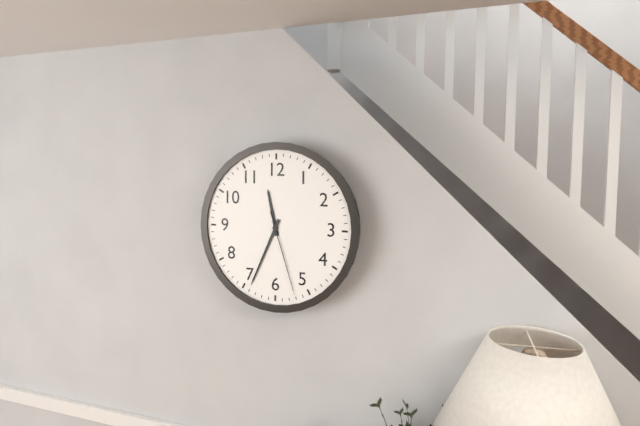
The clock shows h=11 m=34 s=27
